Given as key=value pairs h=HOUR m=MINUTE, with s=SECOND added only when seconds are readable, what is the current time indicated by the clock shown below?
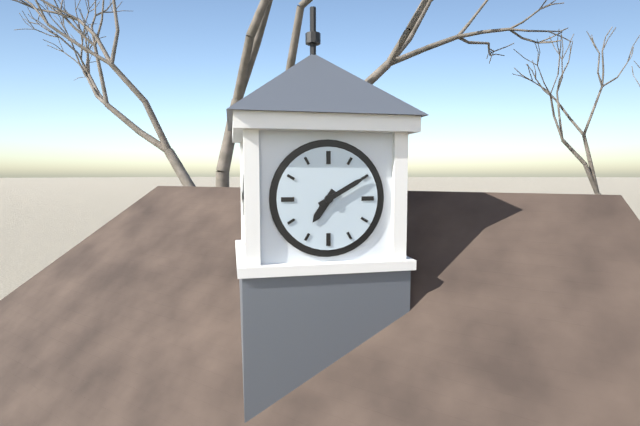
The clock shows h=7 m=10
